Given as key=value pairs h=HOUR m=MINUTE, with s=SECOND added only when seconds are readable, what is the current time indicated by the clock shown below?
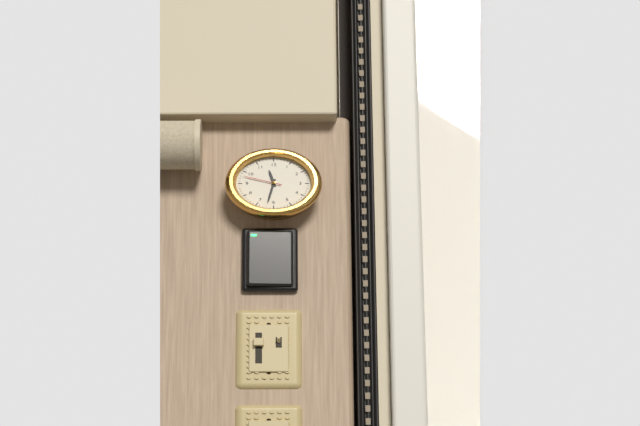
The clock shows h=11 m=32
